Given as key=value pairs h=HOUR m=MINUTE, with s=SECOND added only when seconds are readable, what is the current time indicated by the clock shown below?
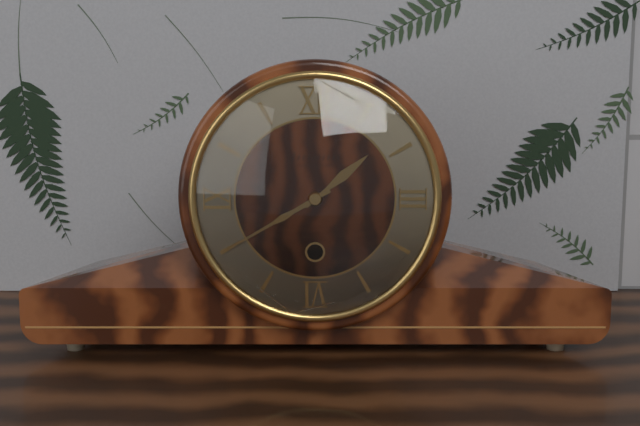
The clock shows h=1 m=40
